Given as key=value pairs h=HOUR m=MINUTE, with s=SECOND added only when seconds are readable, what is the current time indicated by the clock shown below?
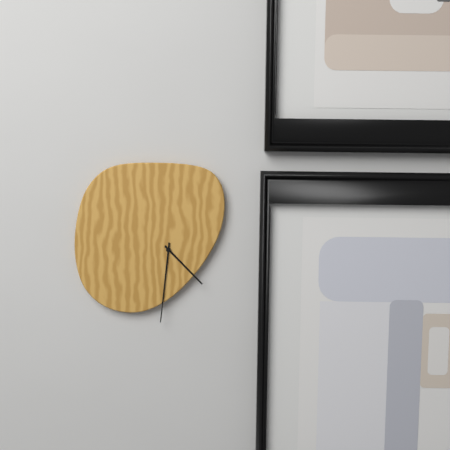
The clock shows h=4 m=31
